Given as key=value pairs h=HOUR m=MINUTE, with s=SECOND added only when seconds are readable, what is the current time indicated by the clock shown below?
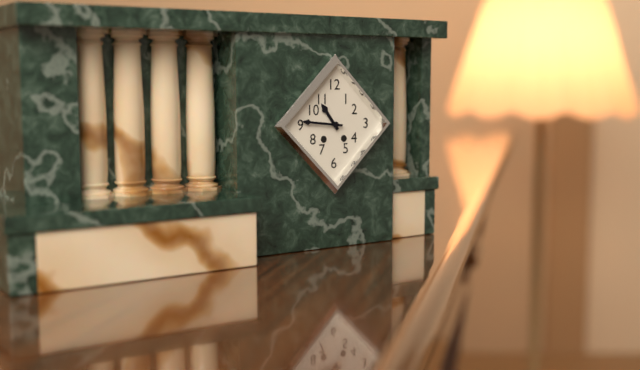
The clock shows h=10 m=46
